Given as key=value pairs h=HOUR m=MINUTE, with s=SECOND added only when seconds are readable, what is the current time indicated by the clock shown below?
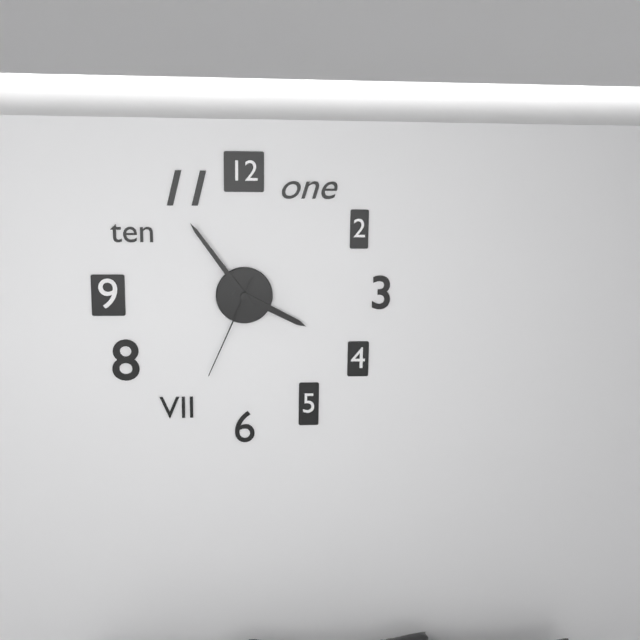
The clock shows h=3 m=54 s=34
